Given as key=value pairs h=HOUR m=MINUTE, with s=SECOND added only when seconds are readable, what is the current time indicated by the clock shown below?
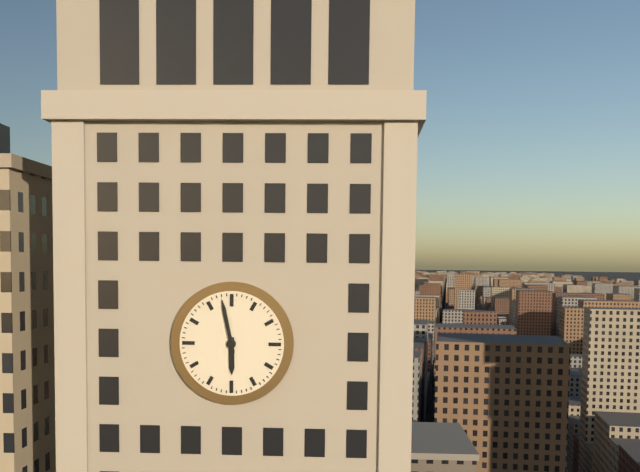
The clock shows h=5 m=58
